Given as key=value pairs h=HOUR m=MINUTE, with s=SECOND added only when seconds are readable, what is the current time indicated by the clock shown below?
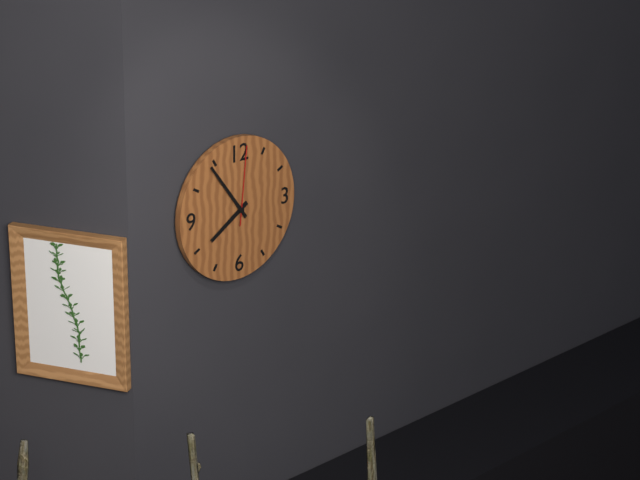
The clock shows h=7 m=54 s=1
